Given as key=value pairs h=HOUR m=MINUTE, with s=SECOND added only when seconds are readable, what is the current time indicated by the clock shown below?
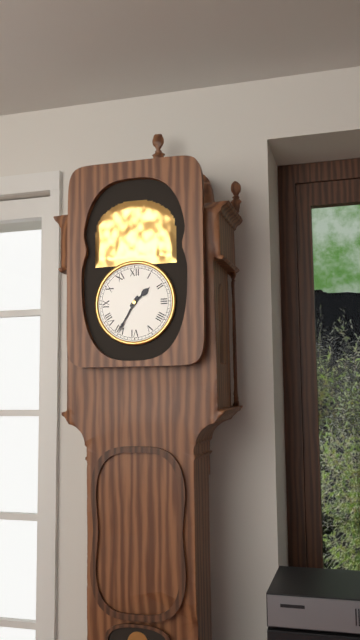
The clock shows h=1 m=35
